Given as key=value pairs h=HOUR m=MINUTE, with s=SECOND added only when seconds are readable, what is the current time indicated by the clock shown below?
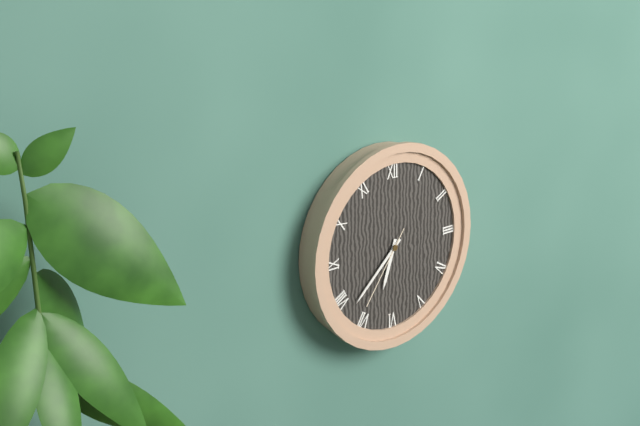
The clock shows h=6 m=38 s=36
